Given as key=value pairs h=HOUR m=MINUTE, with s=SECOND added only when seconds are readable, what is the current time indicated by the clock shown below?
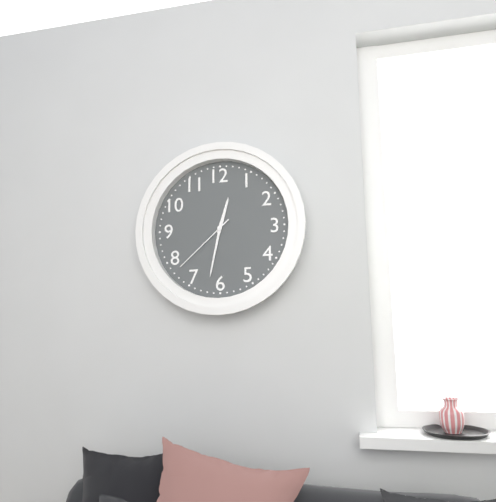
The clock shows h=12 m=32 s=38
